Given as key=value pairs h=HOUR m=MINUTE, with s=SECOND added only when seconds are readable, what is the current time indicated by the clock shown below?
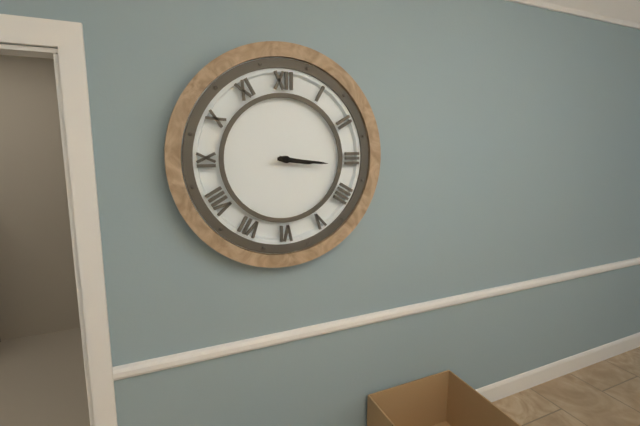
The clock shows h=3 m=16
